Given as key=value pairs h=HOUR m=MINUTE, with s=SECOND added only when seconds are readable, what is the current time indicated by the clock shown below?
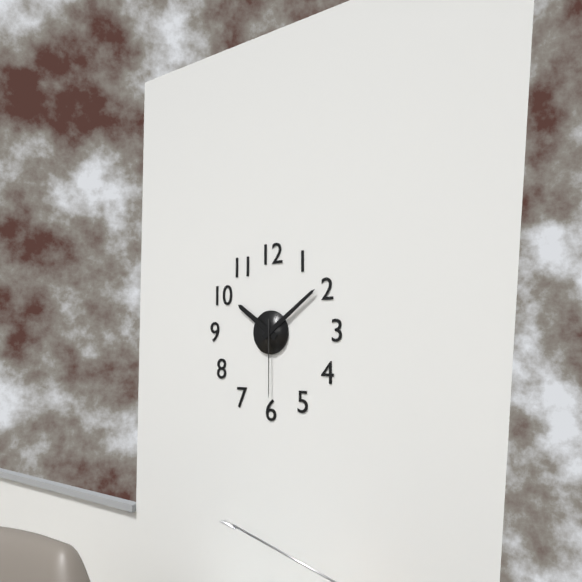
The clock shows h=10 m=9 s=30
